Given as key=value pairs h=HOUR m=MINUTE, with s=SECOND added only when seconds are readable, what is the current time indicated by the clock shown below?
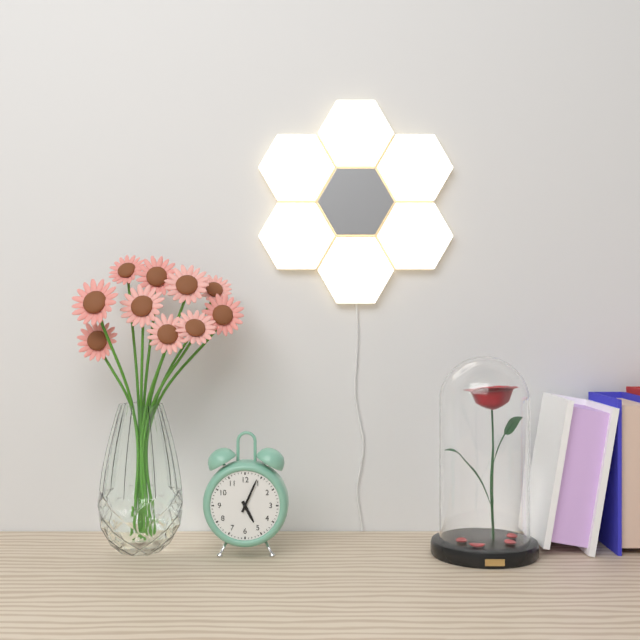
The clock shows h=5 m=4
